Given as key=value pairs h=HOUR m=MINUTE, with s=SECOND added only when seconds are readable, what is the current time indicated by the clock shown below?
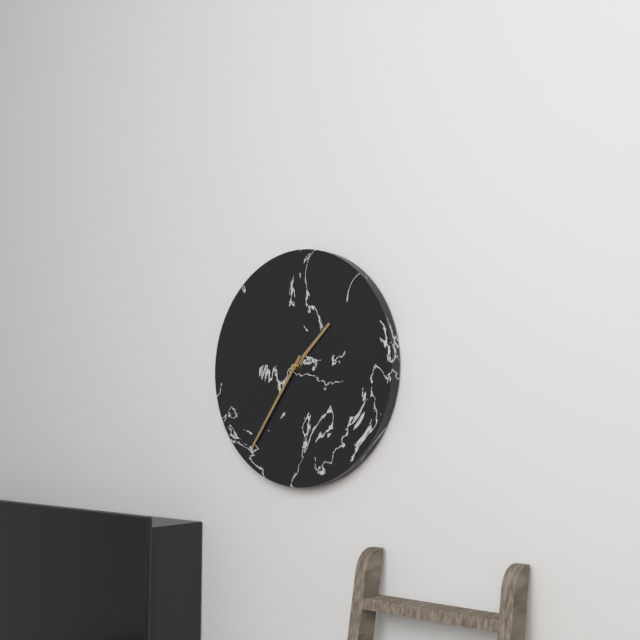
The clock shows h=1 m=36
